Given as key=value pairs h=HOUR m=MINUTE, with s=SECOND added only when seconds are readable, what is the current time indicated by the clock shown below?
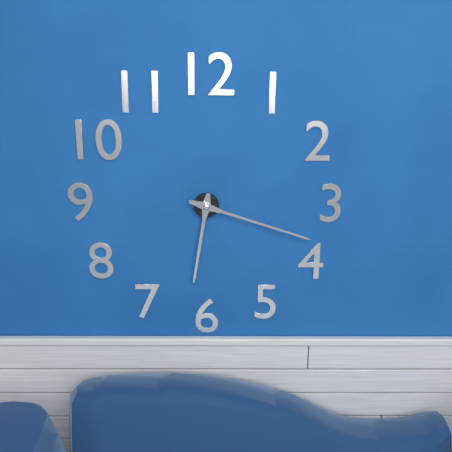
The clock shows h=6 m=18
